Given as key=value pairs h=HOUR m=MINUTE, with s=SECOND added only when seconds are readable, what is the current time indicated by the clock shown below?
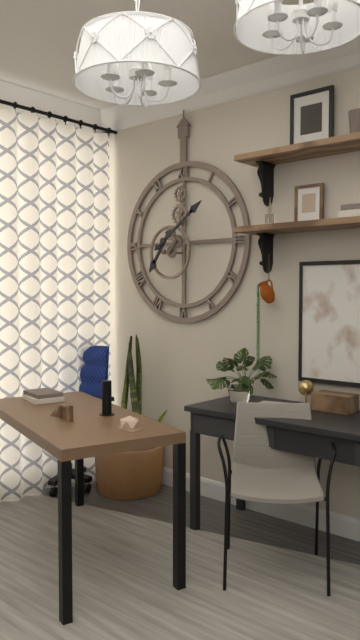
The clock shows h=7 m=9
